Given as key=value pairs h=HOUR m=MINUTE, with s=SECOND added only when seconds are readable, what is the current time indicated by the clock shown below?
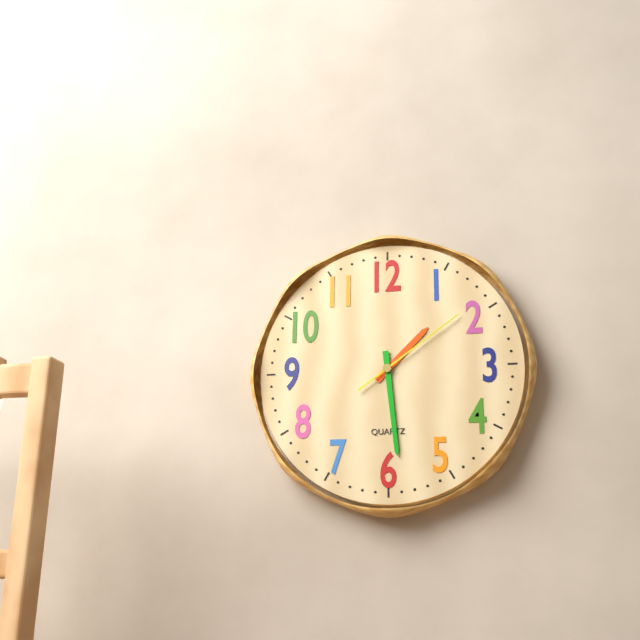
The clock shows h=1 m=29 s=9
